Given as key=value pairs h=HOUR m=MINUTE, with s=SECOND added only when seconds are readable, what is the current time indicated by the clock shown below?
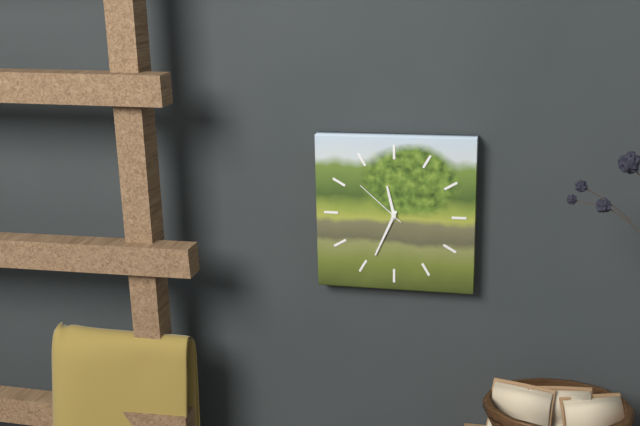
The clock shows h=11 m=34 s=52
